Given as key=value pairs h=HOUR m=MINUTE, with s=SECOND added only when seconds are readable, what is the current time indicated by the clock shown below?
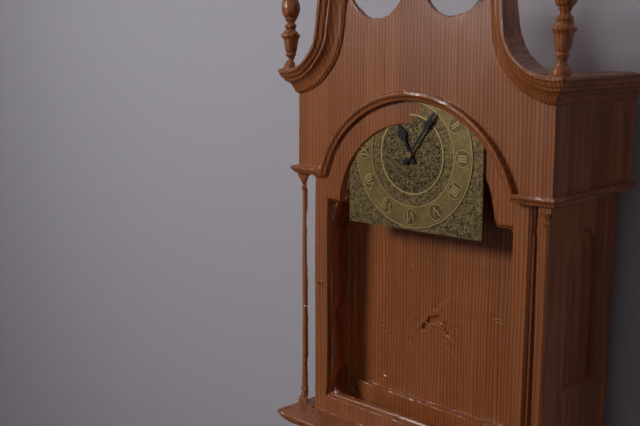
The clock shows h=11 m=6
